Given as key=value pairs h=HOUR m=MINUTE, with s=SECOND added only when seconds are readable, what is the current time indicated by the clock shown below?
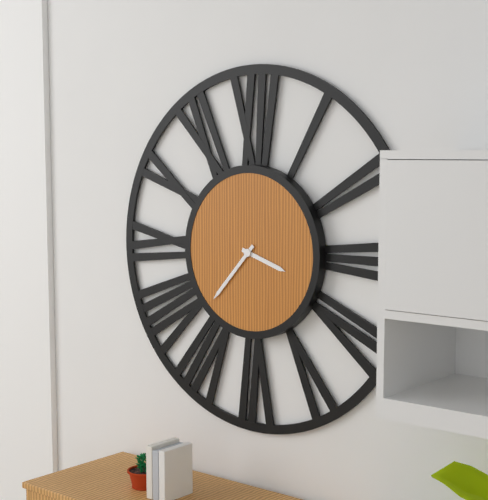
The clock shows h=3 m=37
